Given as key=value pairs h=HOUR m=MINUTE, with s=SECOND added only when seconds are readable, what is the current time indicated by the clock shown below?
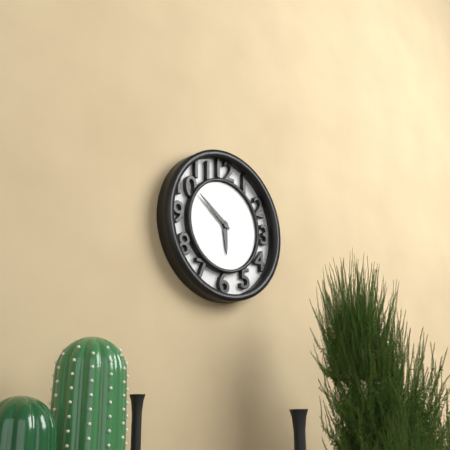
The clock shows h=5 m=51
